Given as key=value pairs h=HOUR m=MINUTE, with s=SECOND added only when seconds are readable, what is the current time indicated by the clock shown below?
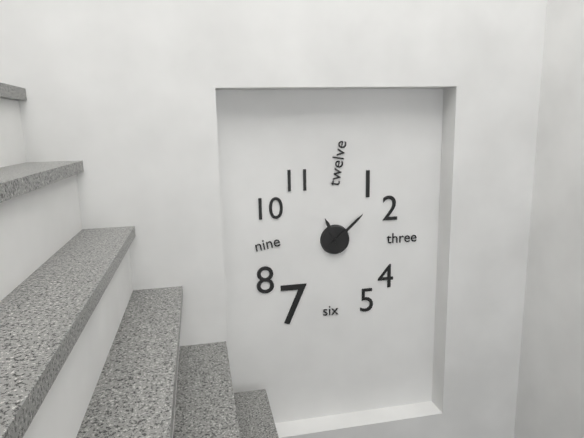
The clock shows h=11 m=8
